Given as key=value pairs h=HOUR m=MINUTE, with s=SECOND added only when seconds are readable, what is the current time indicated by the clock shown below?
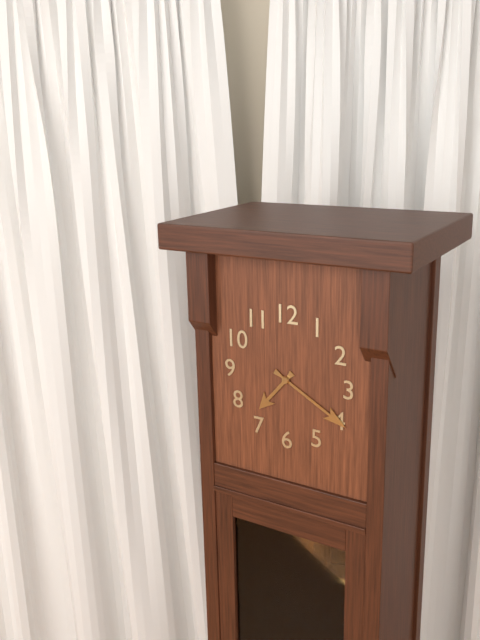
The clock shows h=7 m=20
